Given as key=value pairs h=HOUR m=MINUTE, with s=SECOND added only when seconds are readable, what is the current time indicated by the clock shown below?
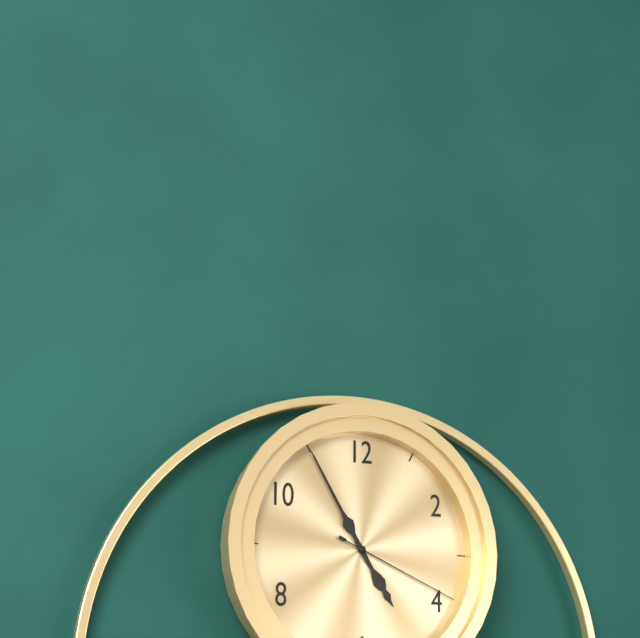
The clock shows h=4 m=55 s=19
